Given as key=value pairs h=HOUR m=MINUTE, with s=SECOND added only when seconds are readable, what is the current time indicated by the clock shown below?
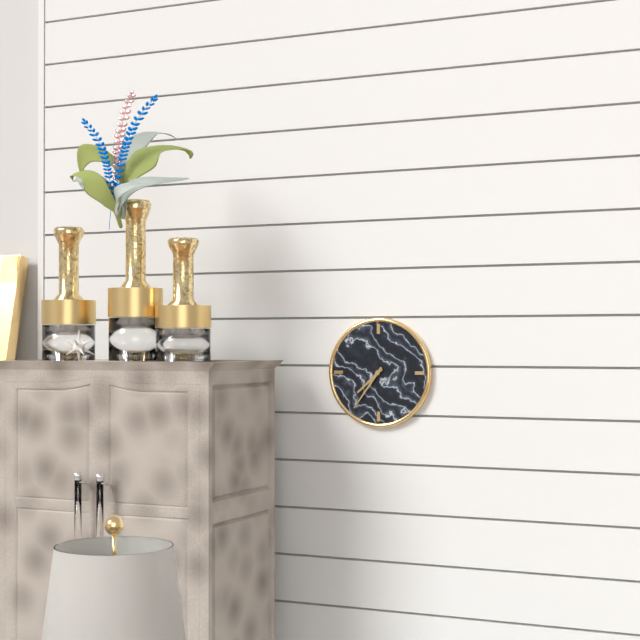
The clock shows h=7 m=36
